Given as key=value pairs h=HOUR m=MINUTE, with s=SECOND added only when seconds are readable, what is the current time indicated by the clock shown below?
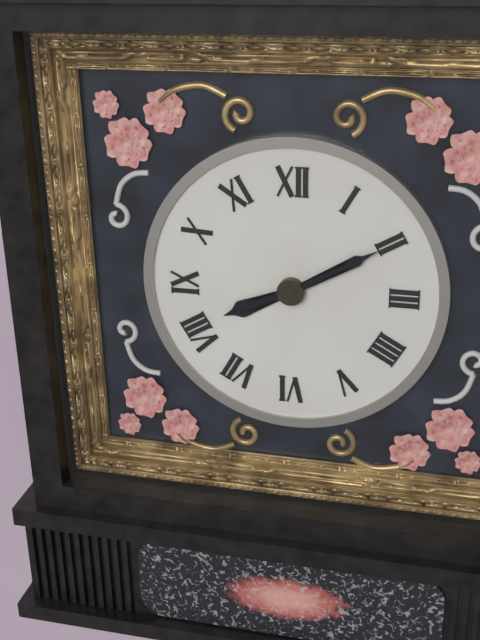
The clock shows h=8 m=10
